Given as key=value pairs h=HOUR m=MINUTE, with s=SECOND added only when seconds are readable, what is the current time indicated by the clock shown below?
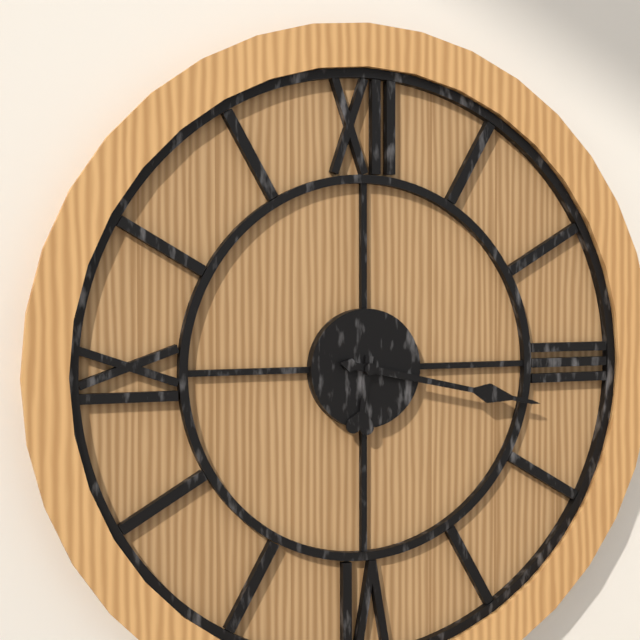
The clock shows h=6 m=17
